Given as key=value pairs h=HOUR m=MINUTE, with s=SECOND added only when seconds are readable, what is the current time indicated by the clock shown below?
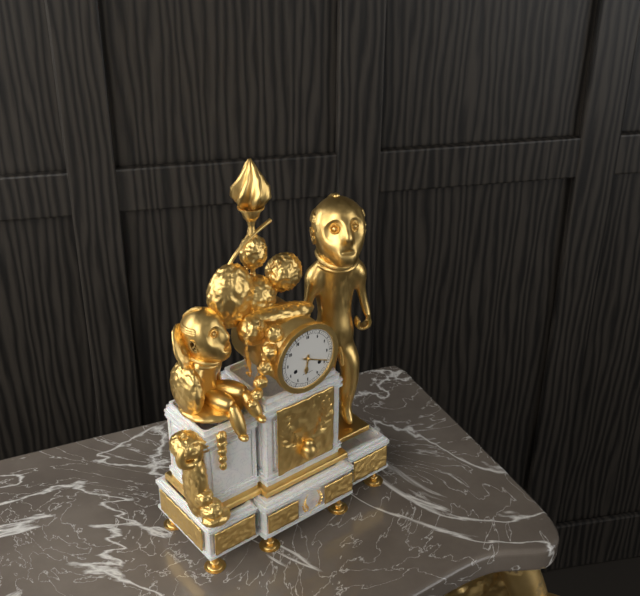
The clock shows h=6 m=19
